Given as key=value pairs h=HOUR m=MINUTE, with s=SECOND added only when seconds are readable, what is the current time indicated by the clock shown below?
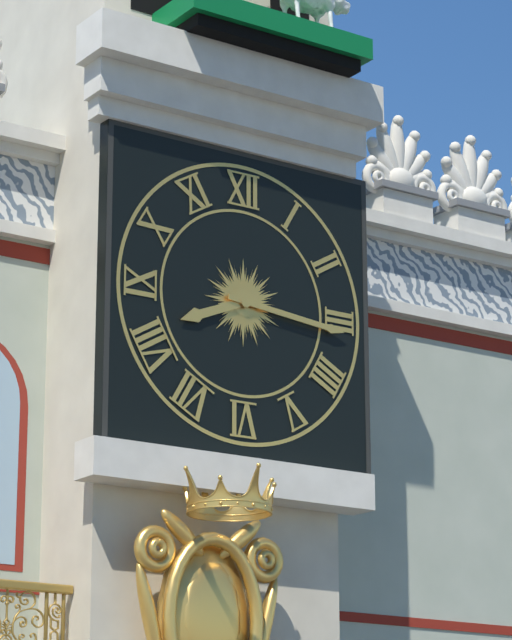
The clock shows h=8 m=16
